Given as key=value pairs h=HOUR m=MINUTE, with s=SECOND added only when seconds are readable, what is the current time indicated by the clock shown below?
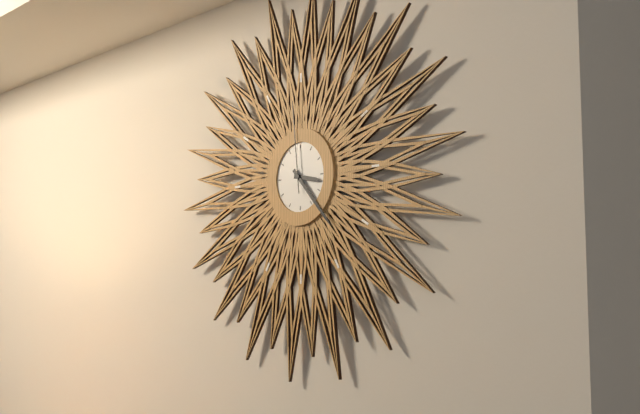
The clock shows h=3 m=23 s=59
